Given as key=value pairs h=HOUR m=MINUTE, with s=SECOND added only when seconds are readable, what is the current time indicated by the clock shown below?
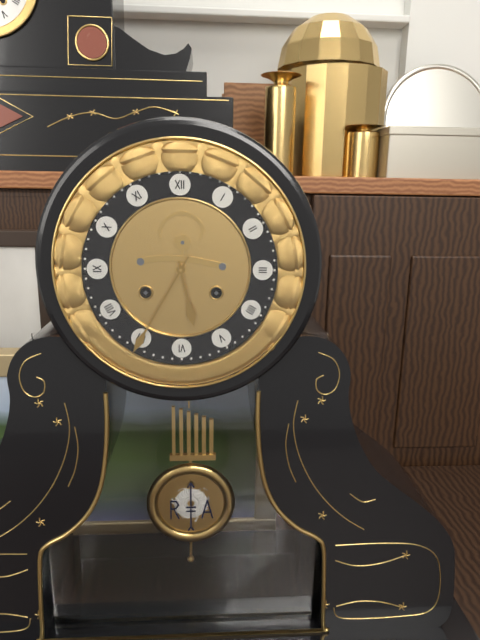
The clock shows h=5 m=35
